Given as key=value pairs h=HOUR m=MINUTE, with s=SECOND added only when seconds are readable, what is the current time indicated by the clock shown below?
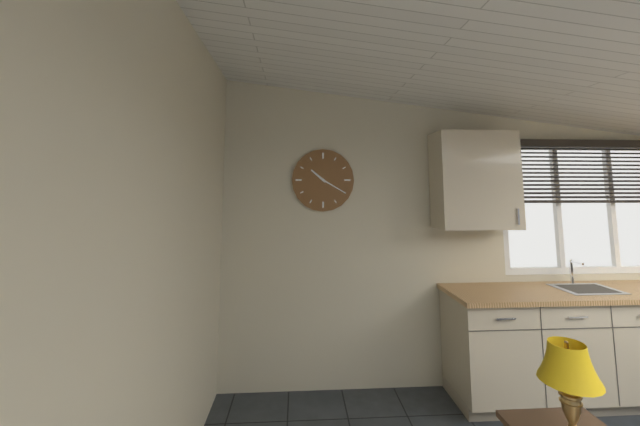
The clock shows h=10 m=20
